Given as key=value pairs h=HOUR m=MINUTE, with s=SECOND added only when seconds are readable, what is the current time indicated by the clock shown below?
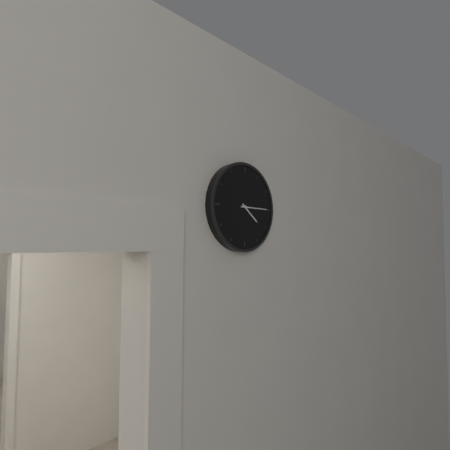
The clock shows h=4 m=15
